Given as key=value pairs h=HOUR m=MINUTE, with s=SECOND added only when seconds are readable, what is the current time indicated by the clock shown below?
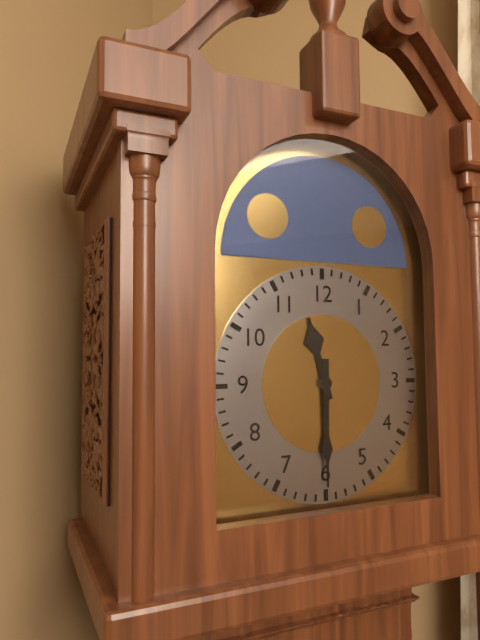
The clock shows h=11 m=30
